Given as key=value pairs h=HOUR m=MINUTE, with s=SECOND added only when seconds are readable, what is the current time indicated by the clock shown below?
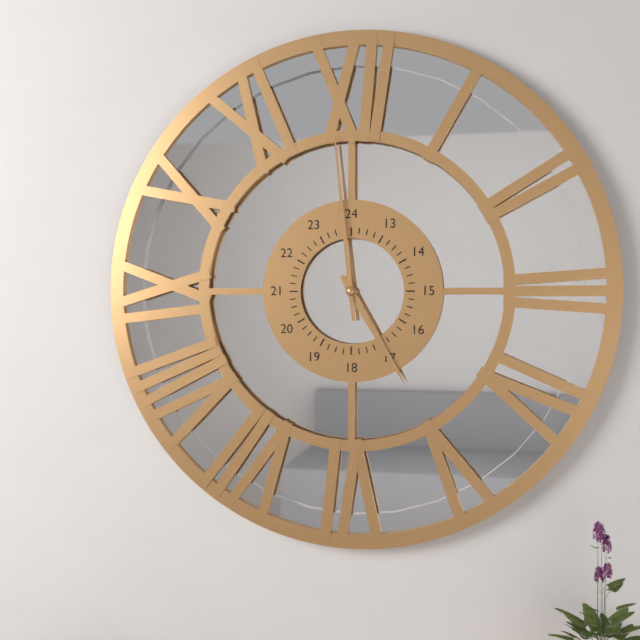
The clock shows h=4 m=59
